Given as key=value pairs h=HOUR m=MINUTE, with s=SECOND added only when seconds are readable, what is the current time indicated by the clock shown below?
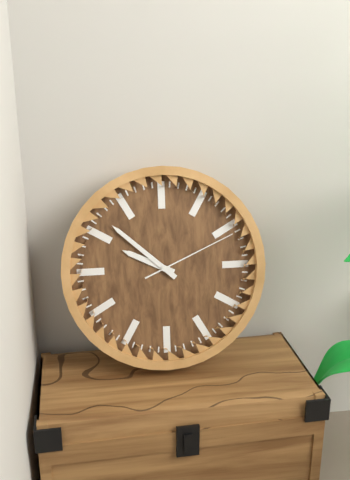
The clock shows h=9 m=52 s=11
